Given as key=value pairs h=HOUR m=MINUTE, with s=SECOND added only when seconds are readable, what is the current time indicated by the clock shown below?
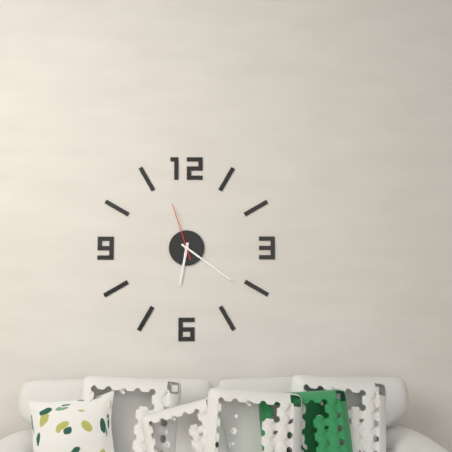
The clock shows h=6 m=21 s=57
